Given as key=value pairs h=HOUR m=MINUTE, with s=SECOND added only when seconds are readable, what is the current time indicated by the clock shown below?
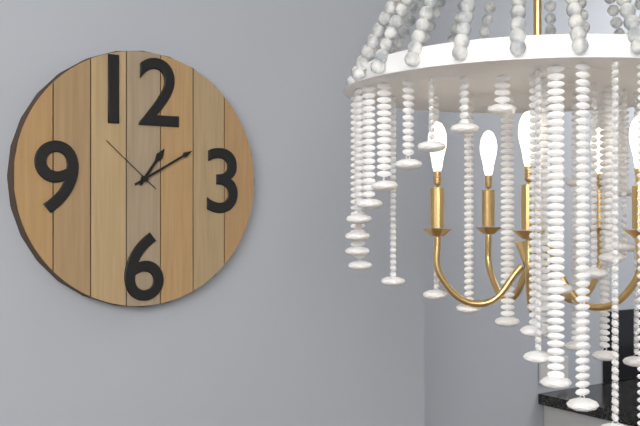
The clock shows h=1 m=10 s=52
